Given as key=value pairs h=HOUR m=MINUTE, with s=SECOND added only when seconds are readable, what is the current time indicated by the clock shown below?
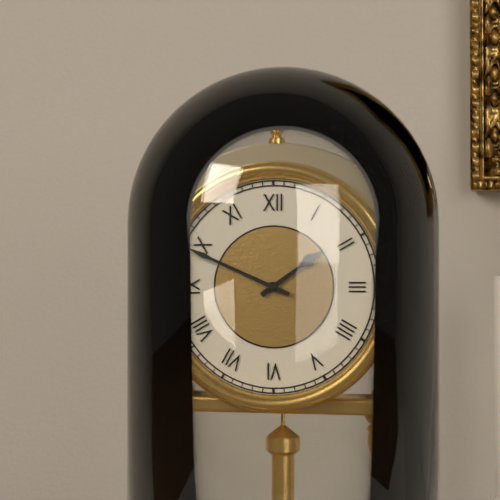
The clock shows h=1 m=49
